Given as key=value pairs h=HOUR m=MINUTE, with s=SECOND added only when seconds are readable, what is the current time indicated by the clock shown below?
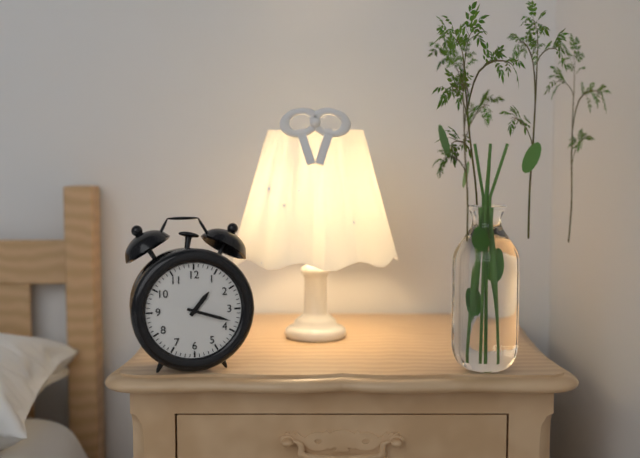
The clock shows h=1 m=18
